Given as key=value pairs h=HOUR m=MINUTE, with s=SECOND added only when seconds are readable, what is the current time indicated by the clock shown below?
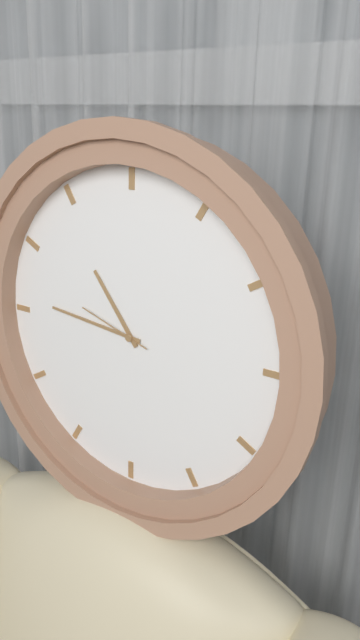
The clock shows h=10 m=46 s=48
